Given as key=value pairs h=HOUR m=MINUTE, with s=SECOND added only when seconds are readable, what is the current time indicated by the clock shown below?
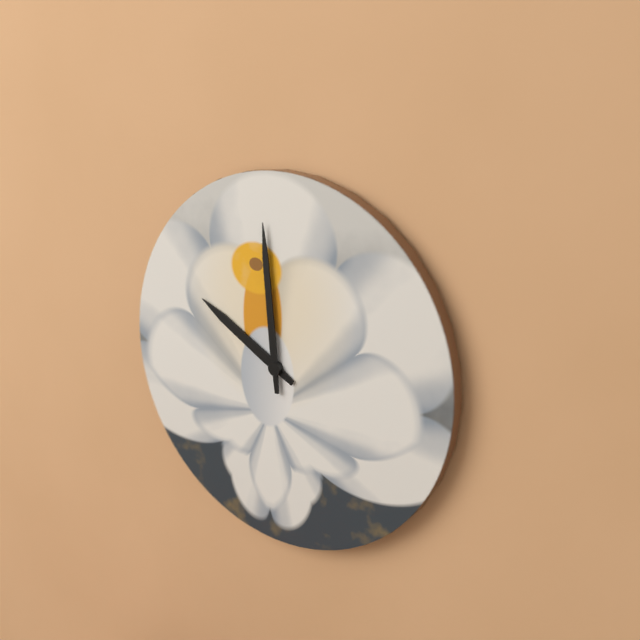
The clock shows h=9 m=59
